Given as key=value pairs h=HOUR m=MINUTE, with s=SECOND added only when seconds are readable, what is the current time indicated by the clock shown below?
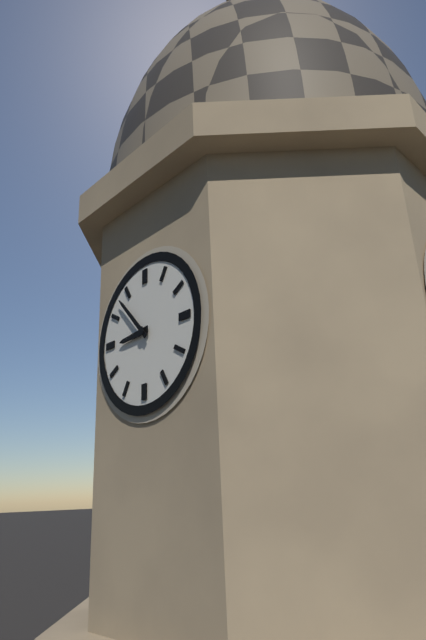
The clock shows h=8 m=53
